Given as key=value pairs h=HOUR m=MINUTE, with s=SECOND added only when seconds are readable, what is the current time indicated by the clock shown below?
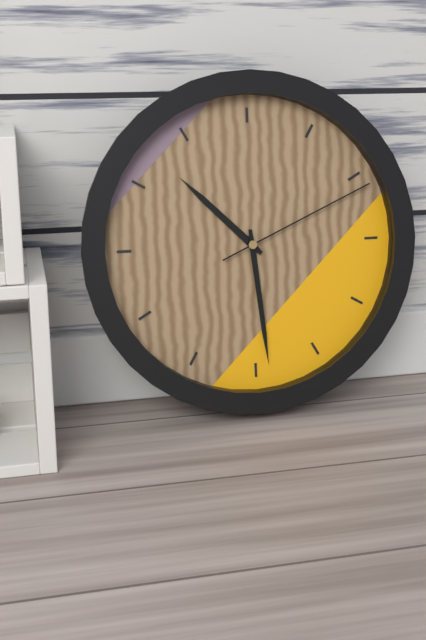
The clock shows h=10 m=29 s=11
